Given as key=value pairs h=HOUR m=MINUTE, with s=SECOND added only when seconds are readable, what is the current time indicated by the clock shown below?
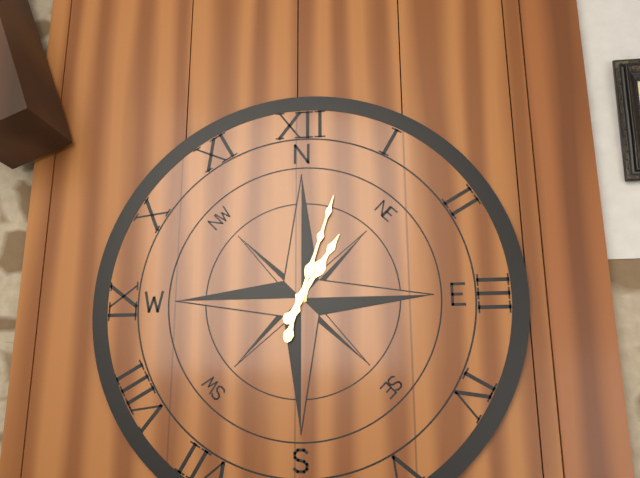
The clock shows h=1 m=3
